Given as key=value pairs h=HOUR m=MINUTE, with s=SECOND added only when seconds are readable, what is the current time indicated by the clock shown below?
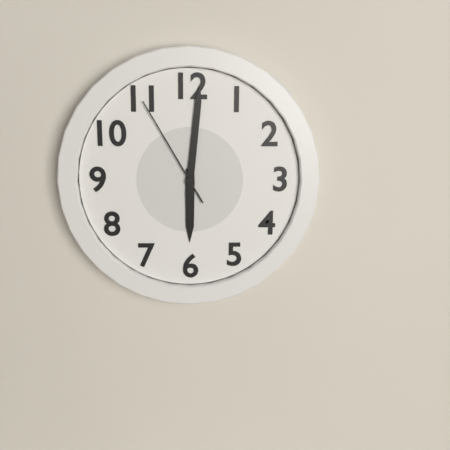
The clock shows h=6 m=1 s=55
